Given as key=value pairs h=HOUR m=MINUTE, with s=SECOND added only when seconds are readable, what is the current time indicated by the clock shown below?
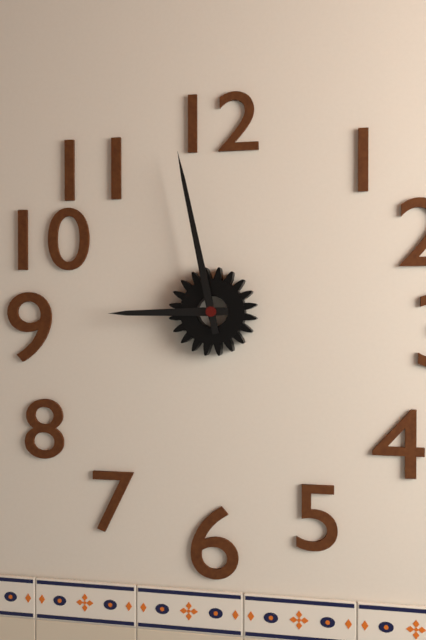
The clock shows h=8 m=58
